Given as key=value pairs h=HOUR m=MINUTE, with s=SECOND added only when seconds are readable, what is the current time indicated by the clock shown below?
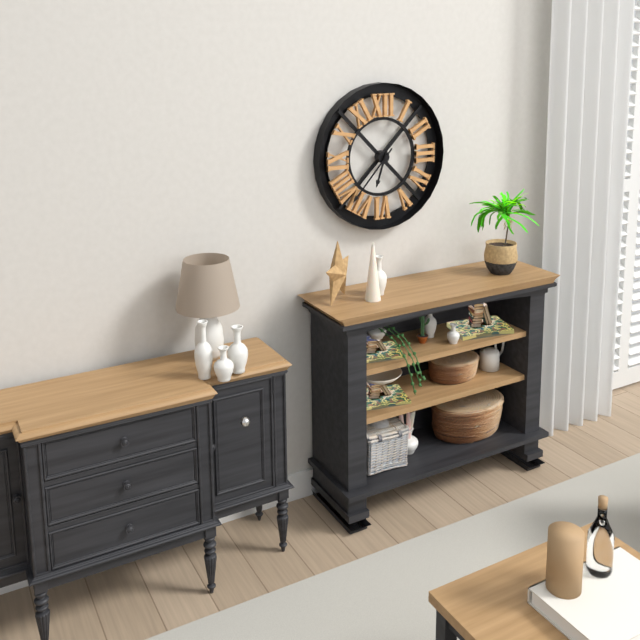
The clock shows h=6 m=37
